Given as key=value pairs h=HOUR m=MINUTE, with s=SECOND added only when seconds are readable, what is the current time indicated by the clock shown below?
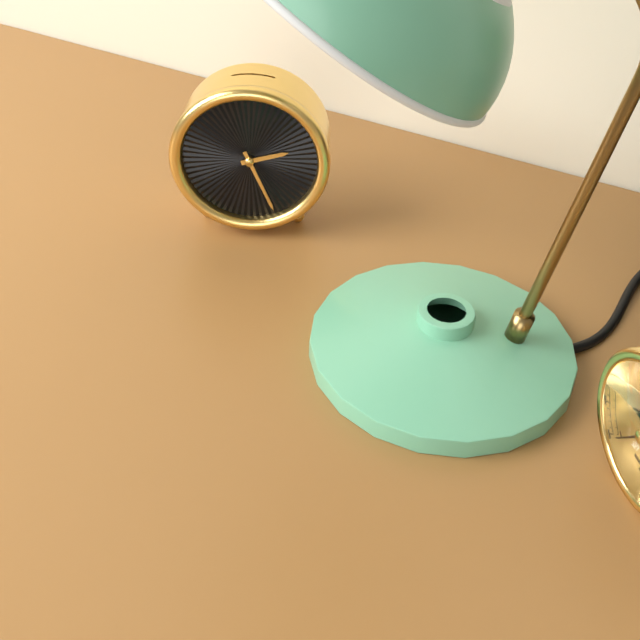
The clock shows h=2 m=26
